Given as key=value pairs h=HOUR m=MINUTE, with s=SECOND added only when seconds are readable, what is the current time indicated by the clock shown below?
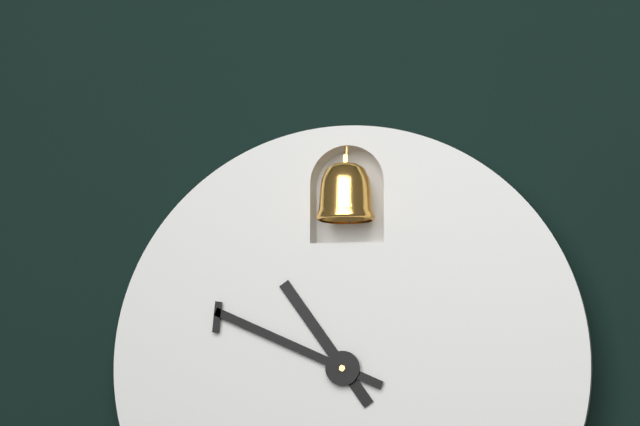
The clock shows h=10 m=49
